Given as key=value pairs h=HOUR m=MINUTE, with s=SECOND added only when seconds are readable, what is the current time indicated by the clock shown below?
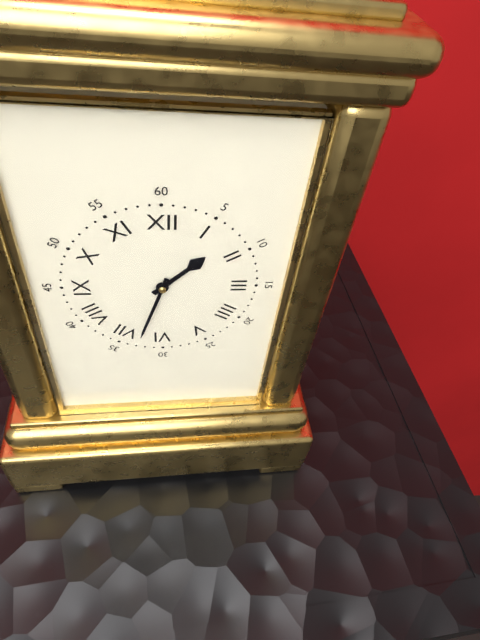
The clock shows h=1 m=33
